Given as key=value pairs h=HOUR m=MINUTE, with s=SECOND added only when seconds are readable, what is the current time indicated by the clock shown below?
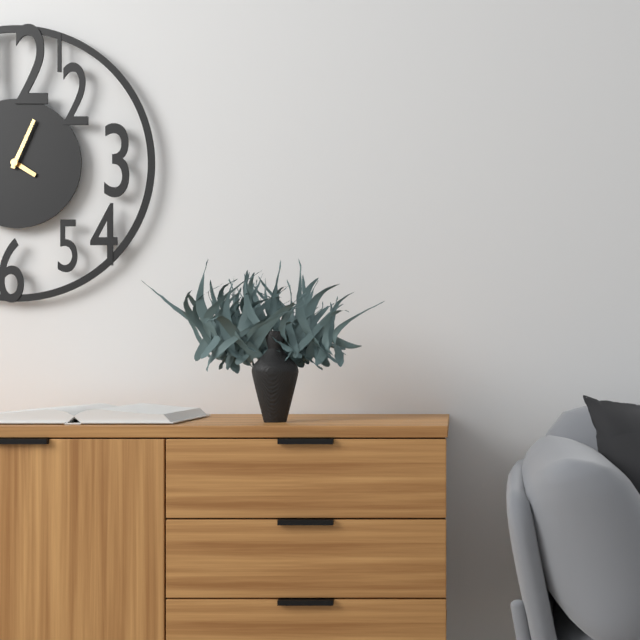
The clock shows h=4 m=4
